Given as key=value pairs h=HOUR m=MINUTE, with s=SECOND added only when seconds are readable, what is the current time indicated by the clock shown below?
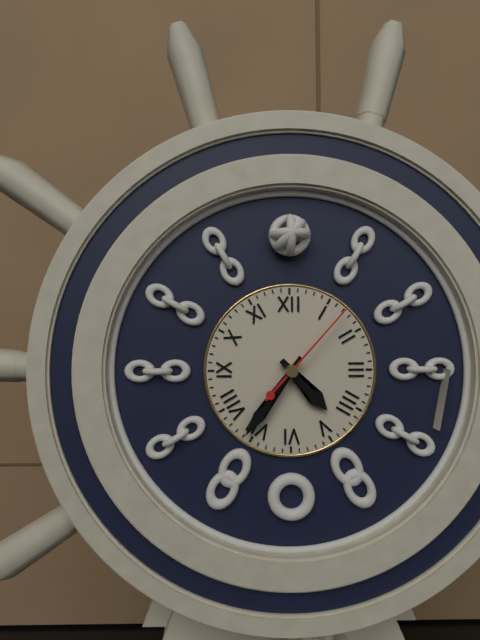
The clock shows h=4 m=36 s=7
